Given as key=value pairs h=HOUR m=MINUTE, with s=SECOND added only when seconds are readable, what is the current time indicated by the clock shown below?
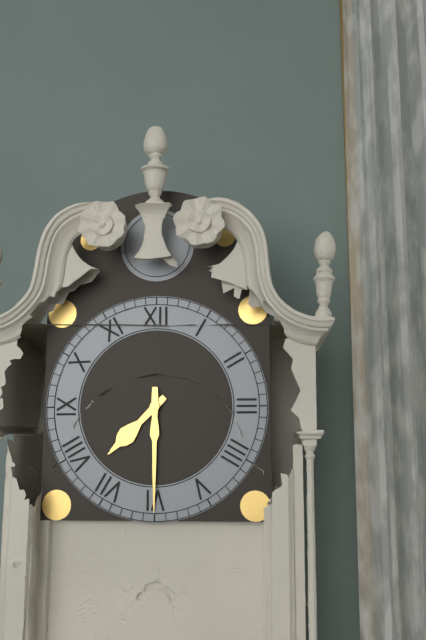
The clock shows h=7 m=30
